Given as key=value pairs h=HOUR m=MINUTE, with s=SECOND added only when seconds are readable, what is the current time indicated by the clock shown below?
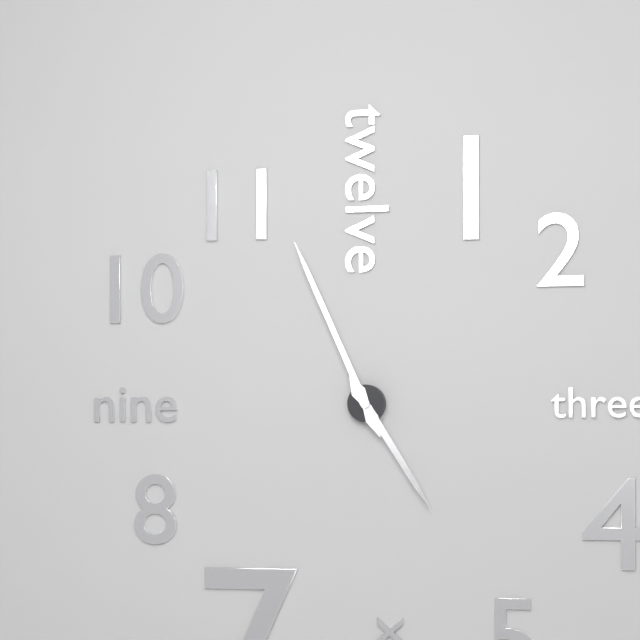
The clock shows h=4 m=56
